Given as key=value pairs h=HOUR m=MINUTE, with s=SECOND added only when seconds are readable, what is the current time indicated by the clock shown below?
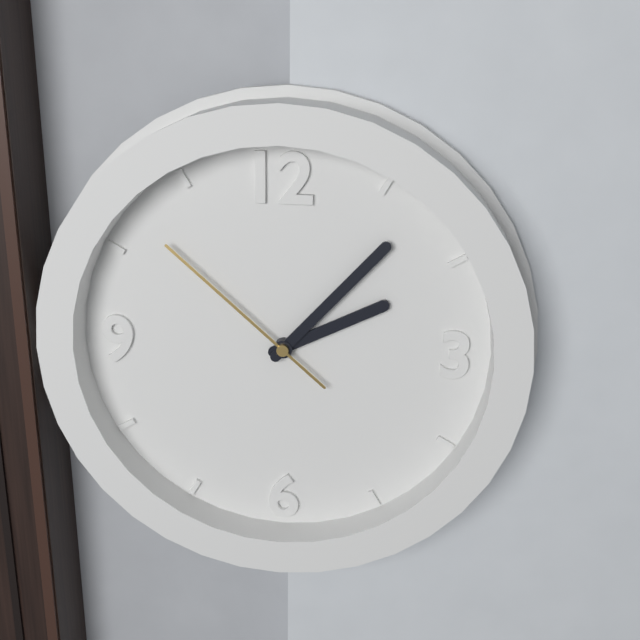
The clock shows h=2 m=7 s=52
